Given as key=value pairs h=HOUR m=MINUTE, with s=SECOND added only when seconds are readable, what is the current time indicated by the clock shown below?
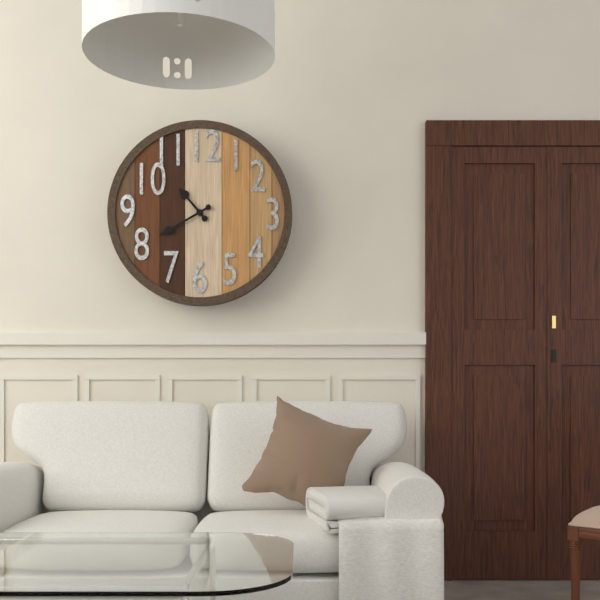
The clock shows h=10 m=40
